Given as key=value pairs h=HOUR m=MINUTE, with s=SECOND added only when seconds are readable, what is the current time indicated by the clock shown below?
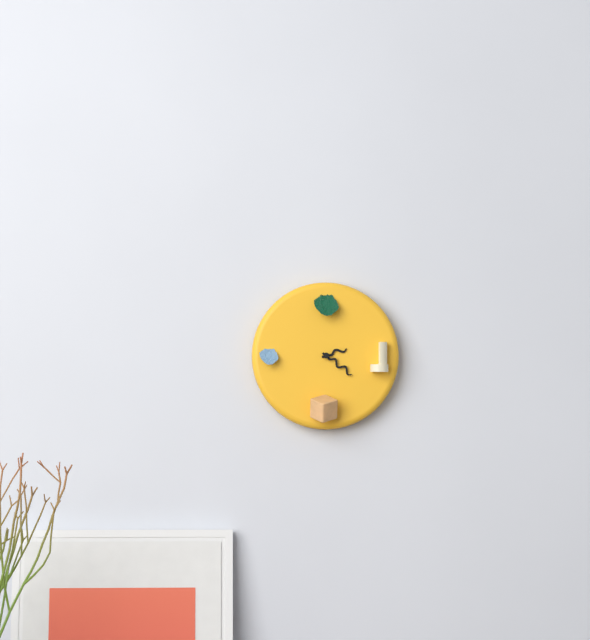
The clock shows h=2 m=21
